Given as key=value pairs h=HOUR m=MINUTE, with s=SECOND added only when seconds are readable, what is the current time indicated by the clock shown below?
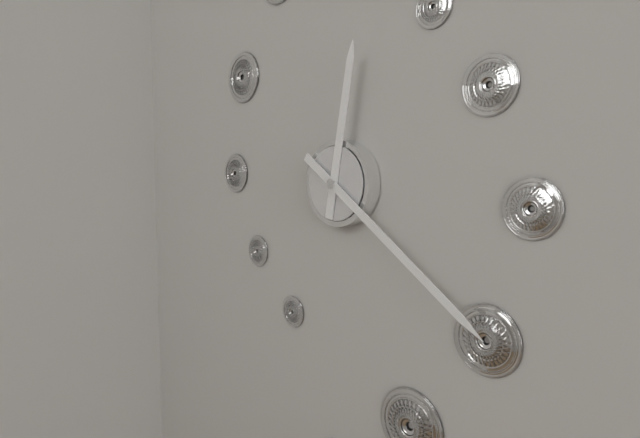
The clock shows h=12 m=21
